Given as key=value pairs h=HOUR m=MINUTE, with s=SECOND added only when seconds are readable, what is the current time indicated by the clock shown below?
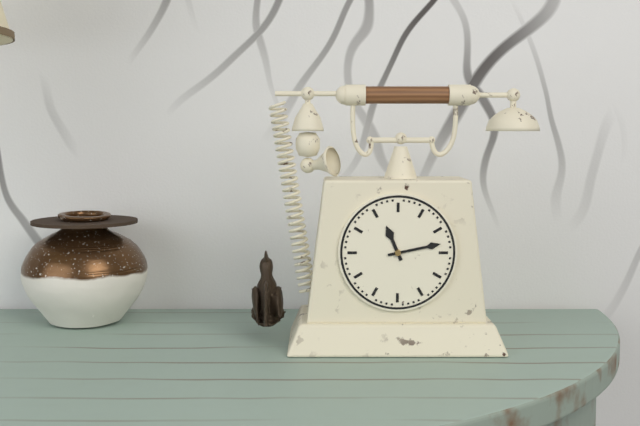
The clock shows h=11 m=13
